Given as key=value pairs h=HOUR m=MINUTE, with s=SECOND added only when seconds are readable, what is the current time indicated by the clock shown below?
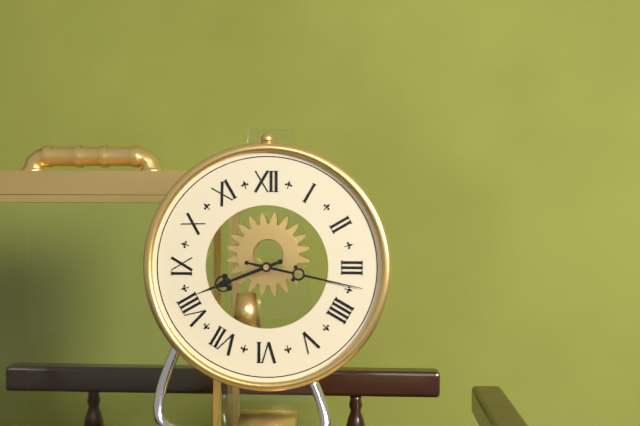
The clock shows h=8 m=17
